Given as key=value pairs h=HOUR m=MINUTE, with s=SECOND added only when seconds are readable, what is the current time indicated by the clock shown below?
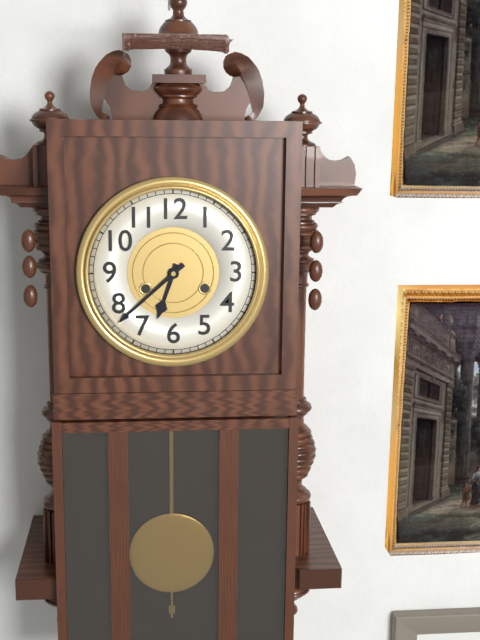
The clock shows h=6 m=38
